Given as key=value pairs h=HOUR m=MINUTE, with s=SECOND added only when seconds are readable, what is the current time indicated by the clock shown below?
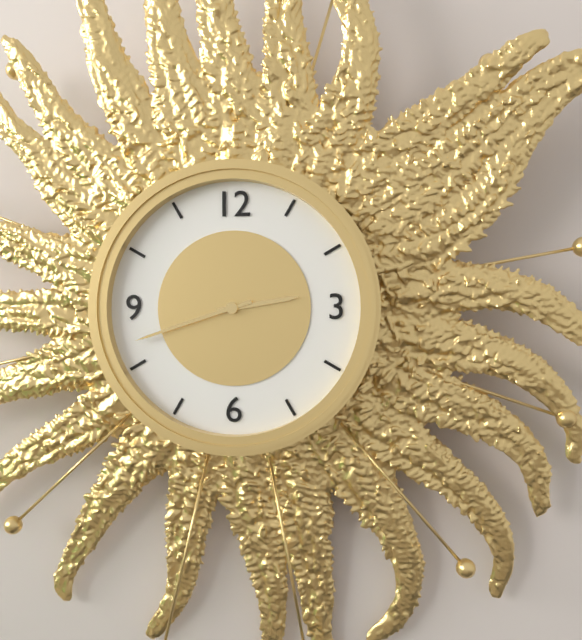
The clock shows h=2 m=42
